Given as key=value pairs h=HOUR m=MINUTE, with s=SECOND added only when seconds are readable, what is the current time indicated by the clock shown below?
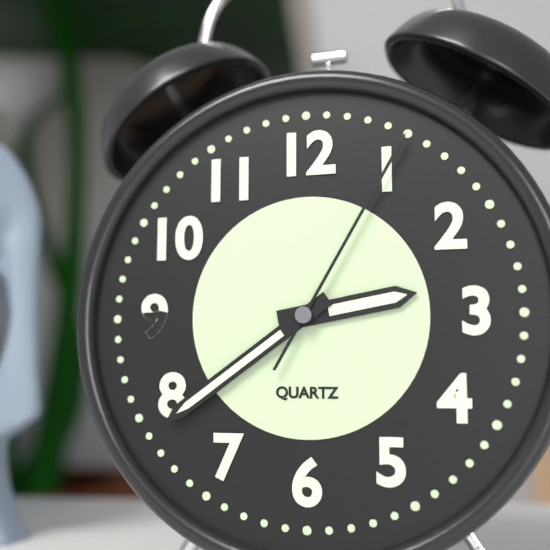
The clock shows h=2 m=39 s=5
